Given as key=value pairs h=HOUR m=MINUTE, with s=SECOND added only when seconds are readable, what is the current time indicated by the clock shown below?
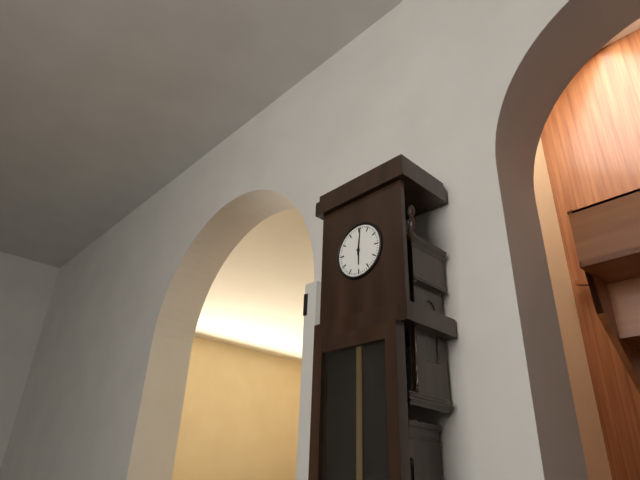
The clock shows h=6 m=1
